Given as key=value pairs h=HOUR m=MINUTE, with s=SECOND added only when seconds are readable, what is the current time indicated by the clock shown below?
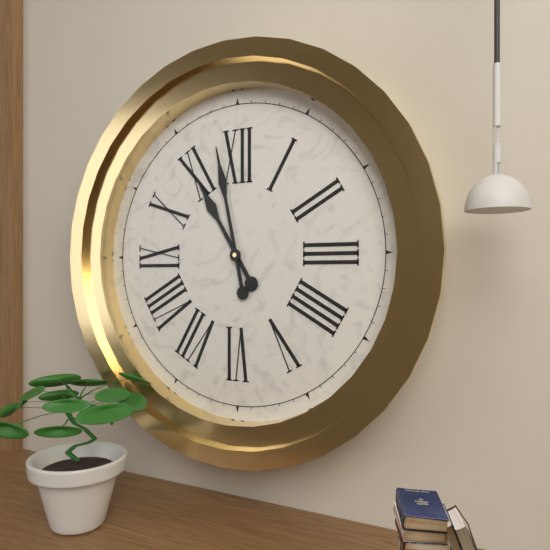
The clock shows h=10 m=58
